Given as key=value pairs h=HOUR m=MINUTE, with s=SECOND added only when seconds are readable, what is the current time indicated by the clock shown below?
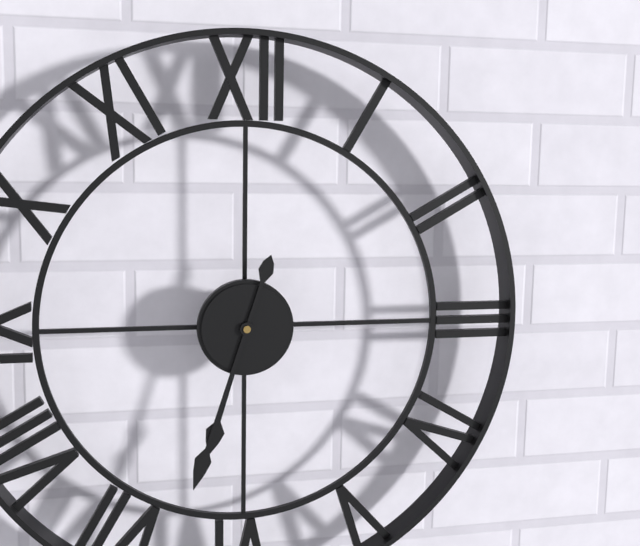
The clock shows h=6 m=33
